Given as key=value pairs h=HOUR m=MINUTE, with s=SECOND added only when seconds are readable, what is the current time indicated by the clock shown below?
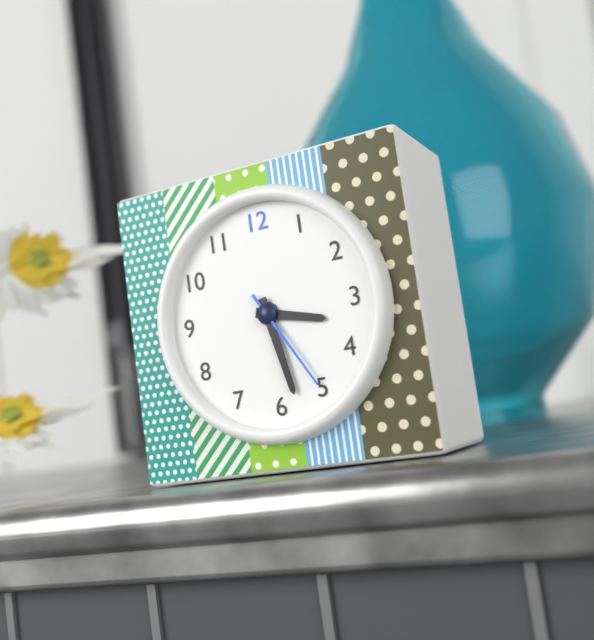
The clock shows h=3 m=28 s=25
